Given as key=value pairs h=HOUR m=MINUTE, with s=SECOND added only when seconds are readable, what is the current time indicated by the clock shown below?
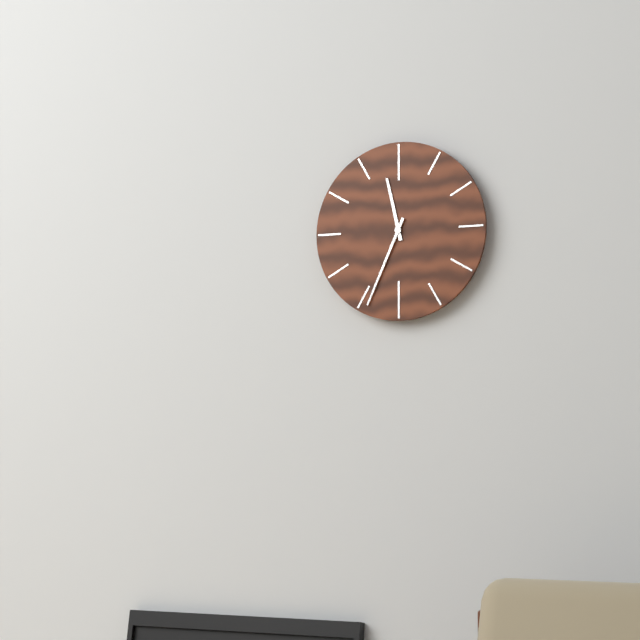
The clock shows h=11 m=34
